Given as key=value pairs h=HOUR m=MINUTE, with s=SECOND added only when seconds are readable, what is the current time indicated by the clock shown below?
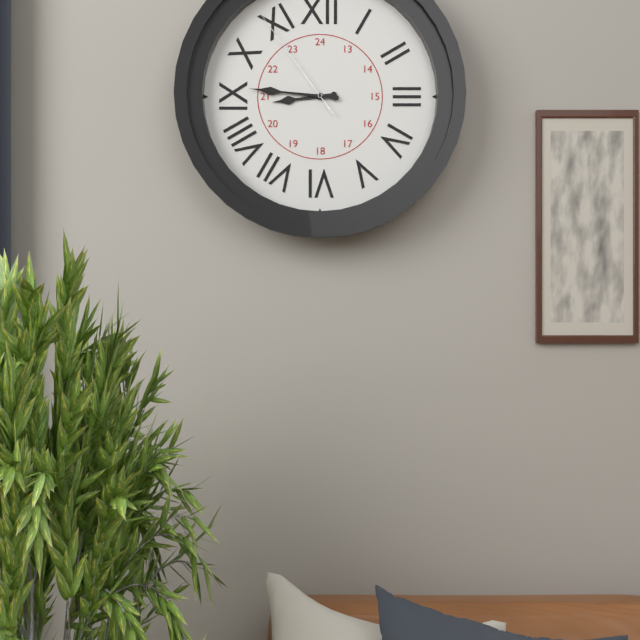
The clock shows h=8 m=46 s=54
